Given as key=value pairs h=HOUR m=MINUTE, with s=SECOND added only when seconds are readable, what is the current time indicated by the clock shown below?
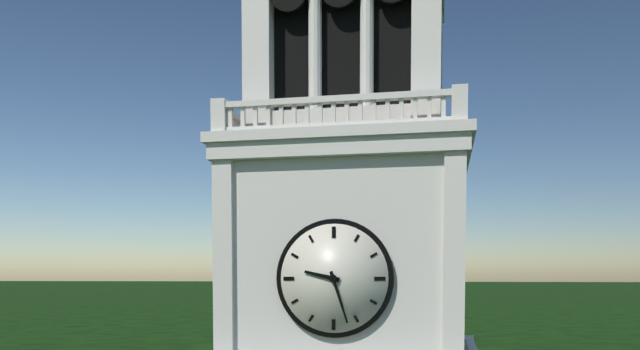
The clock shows h=9 m=27
